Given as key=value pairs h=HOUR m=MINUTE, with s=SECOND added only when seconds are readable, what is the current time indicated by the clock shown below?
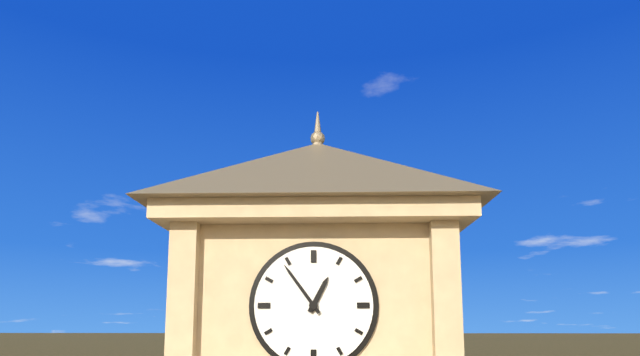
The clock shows h=12 m=54
